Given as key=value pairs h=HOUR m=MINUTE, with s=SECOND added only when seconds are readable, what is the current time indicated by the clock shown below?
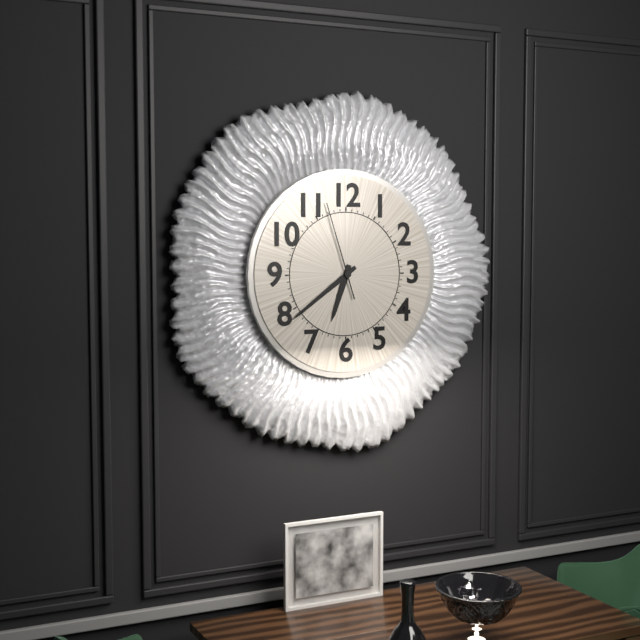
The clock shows h=6 m=39 s=57
